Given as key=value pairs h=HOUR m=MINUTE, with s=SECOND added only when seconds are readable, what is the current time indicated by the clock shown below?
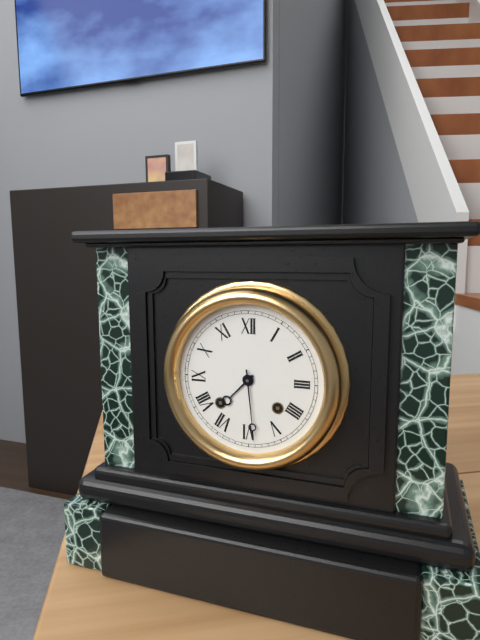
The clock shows h=7 m=29
